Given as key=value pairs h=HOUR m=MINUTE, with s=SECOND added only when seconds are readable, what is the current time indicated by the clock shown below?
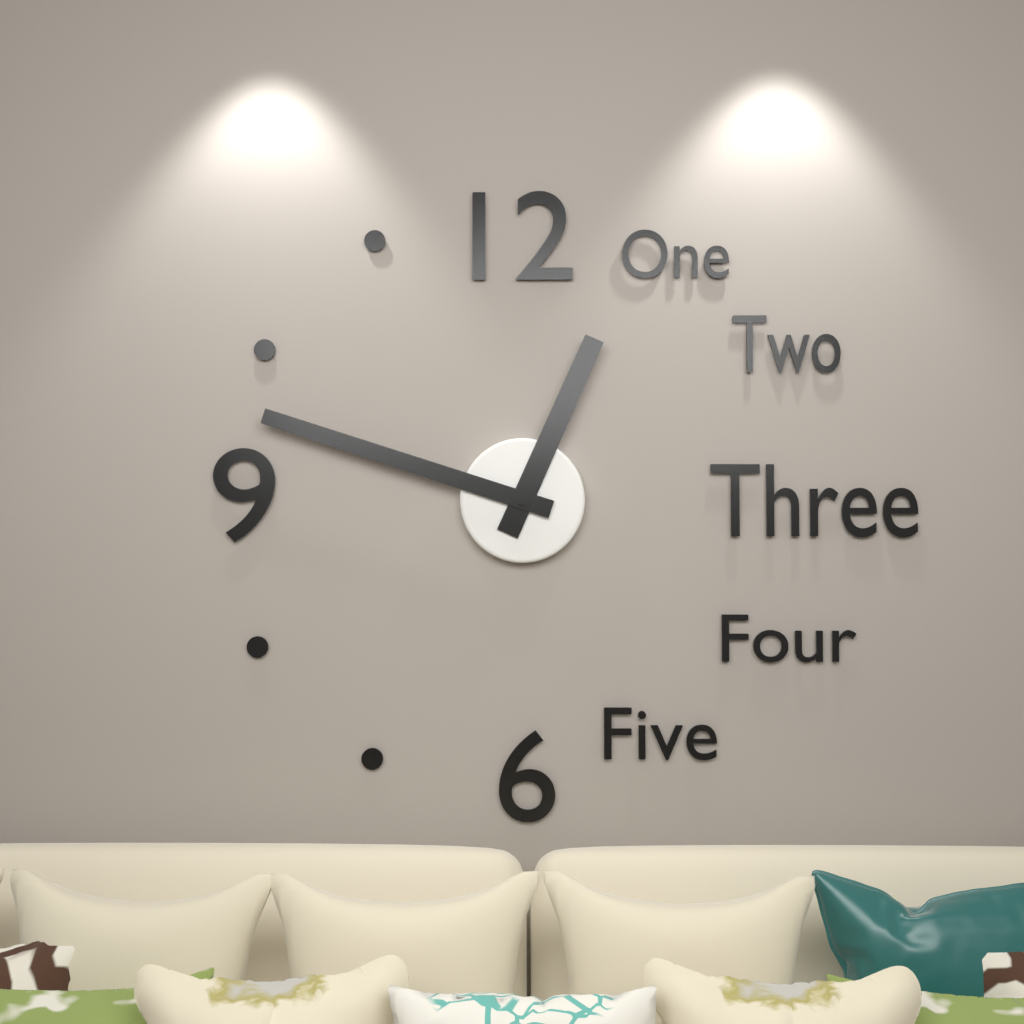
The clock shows h=12 m=48
